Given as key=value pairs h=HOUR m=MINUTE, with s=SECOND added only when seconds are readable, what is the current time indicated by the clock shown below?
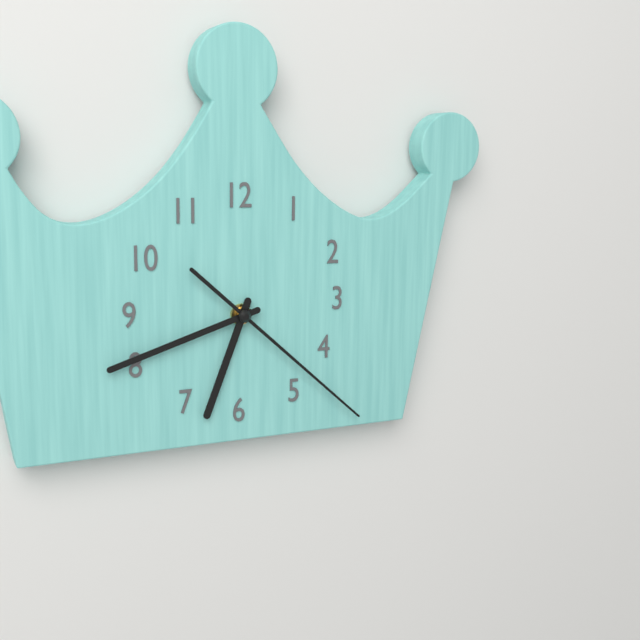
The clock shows h=6 m=42 s=22
